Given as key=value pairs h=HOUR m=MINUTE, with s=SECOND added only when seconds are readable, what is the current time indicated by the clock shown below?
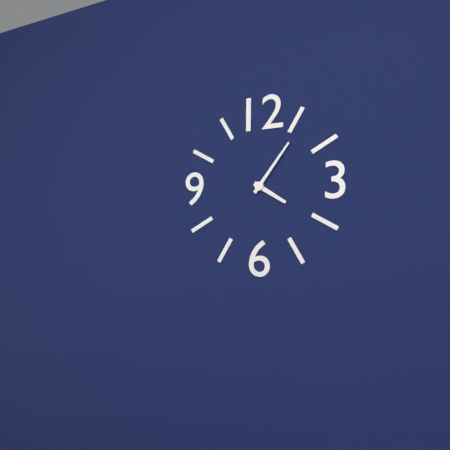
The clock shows h=4 m=6
